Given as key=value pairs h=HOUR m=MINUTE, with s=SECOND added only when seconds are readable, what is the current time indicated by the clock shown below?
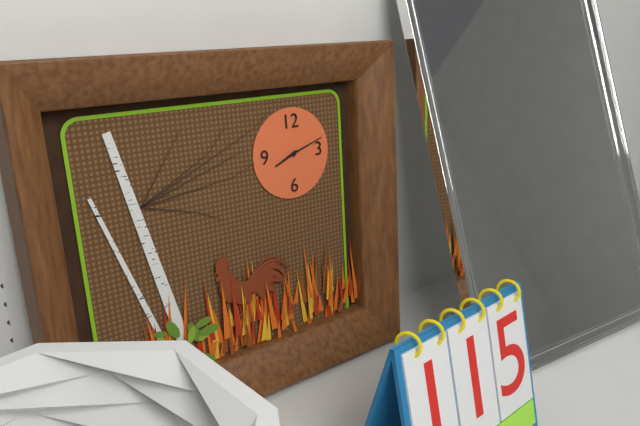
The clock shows h=8 m=12
